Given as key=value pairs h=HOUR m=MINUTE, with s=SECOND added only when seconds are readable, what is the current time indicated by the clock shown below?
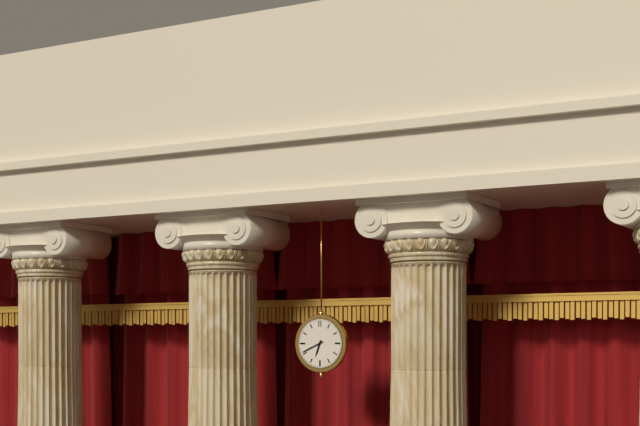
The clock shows h=6 m=41
